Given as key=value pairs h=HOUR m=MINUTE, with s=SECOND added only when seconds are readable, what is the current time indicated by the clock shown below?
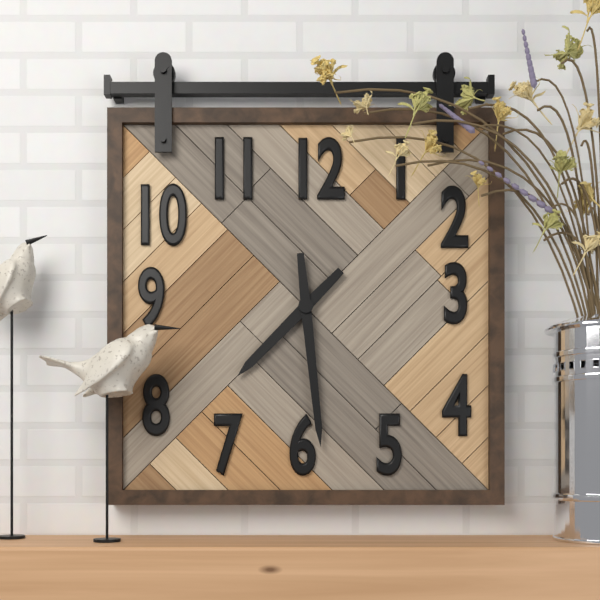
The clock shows h=7 m=29
